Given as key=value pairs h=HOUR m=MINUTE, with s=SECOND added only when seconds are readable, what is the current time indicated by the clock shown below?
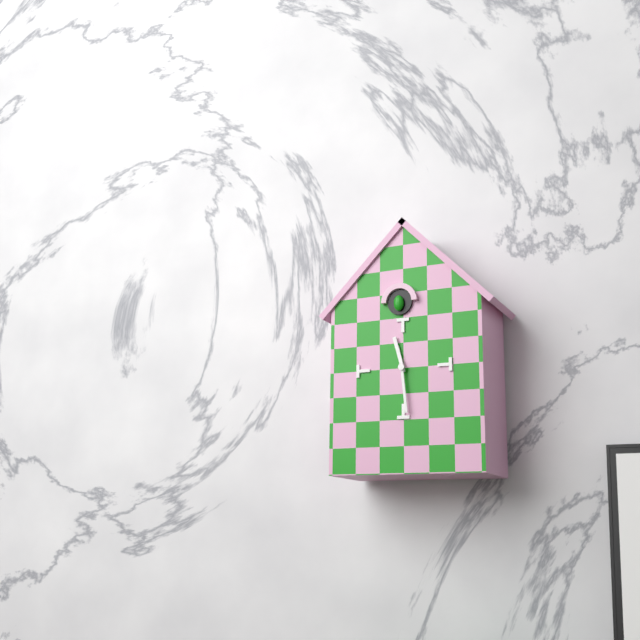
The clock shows h=11 m=29
